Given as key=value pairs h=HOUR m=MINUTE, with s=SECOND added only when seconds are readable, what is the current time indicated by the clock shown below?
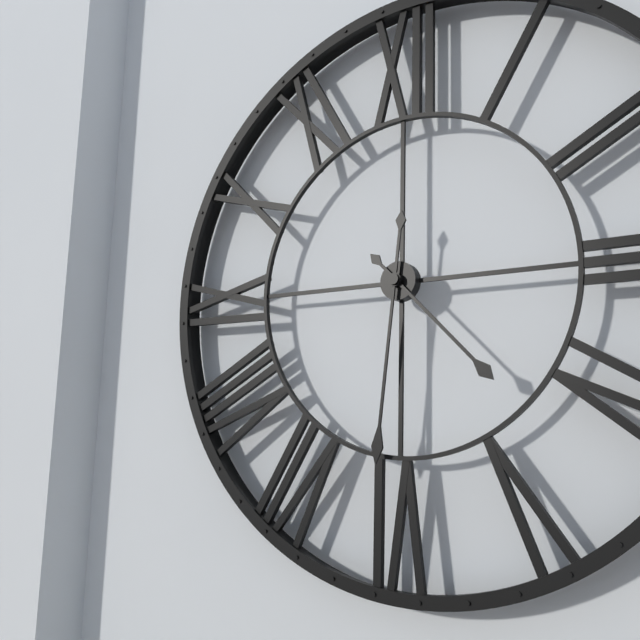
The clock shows h=4 m=31
